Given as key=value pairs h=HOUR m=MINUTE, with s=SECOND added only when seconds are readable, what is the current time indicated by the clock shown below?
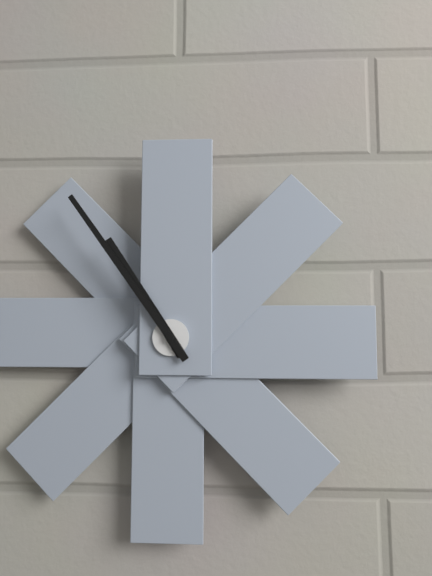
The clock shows h=10 m=54
